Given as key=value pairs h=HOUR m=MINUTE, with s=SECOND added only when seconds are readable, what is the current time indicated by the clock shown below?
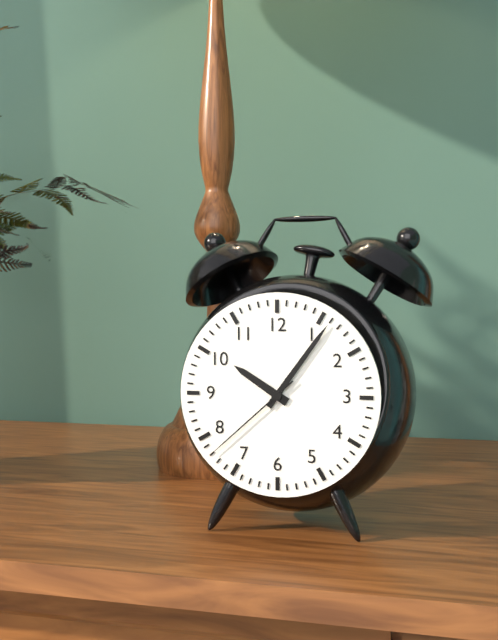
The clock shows h=10 m=6 s=38
